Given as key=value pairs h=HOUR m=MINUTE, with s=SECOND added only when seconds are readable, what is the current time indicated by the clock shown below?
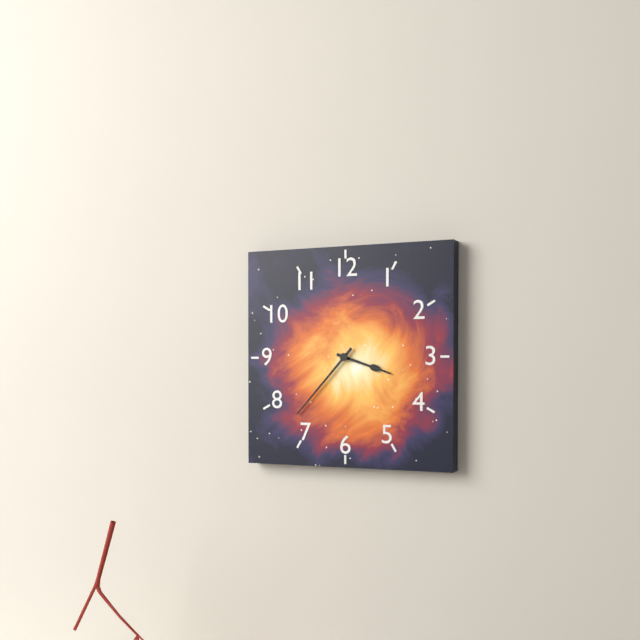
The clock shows h=3 m=37
